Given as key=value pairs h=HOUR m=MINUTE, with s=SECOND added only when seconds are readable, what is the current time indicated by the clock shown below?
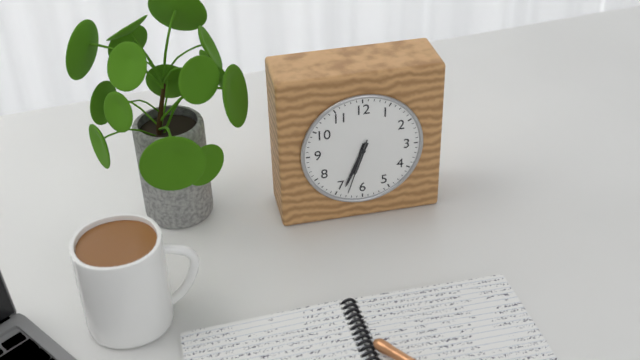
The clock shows h=6 m=34 s=33
